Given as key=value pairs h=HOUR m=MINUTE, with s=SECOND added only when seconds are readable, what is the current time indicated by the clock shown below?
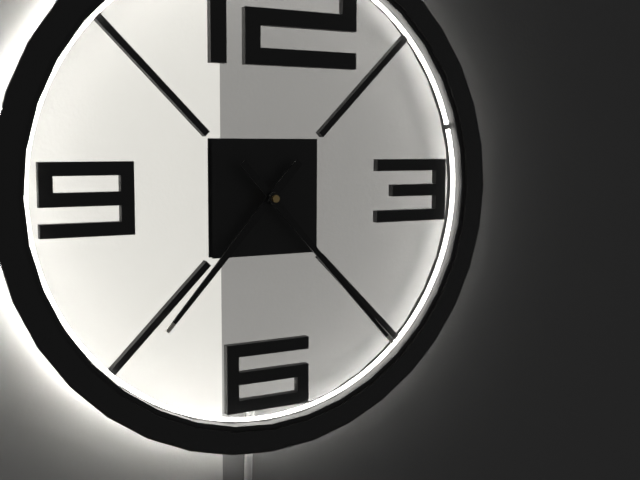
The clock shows h=7 m=23
